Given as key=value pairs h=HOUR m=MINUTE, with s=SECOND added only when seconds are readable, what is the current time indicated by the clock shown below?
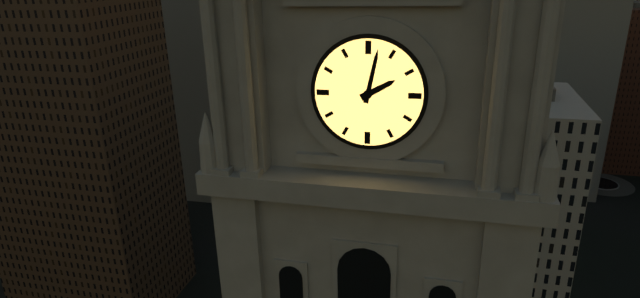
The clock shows h=2 m=2
